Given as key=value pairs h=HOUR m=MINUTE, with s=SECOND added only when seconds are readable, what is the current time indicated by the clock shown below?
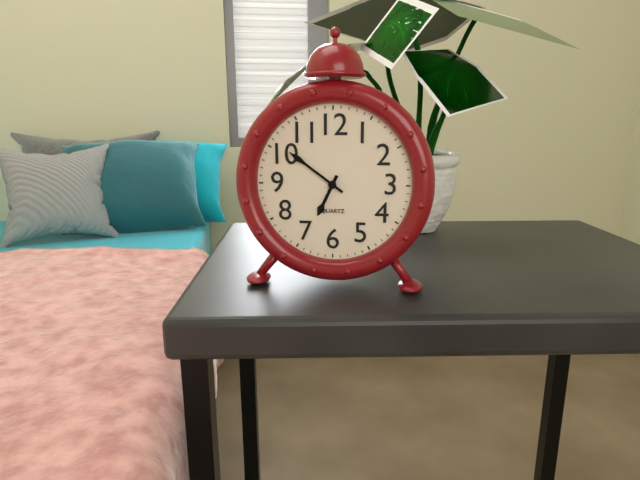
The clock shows h=6 m=51
